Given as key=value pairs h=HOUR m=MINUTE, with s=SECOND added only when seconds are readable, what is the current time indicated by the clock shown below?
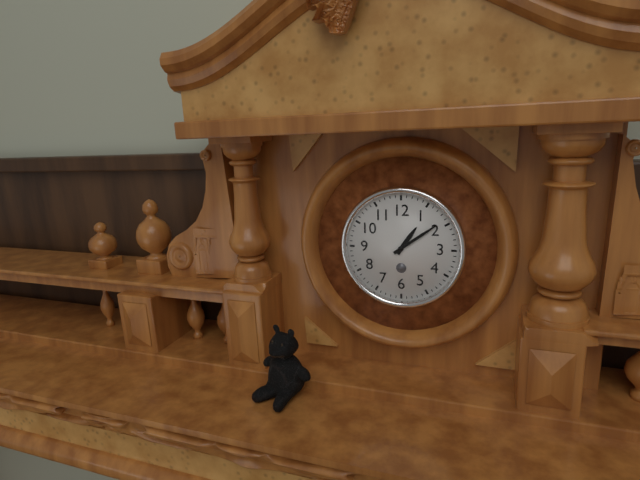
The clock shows h=1 m=9
